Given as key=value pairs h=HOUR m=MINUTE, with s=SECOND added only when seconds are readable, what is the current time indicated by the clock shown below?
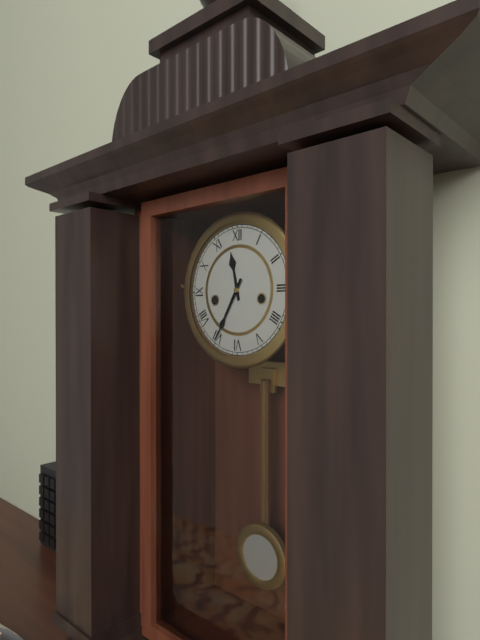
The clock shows h=11 m=35
